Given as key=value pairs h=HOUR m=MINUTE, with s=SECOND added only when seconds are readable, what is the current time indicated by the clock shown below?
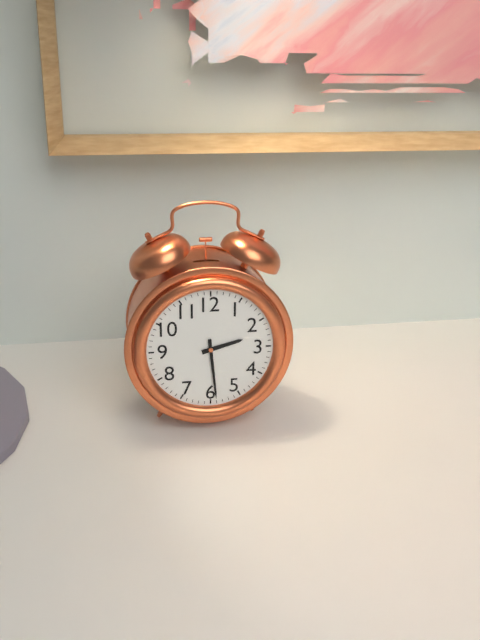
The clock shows h=2 m=29
